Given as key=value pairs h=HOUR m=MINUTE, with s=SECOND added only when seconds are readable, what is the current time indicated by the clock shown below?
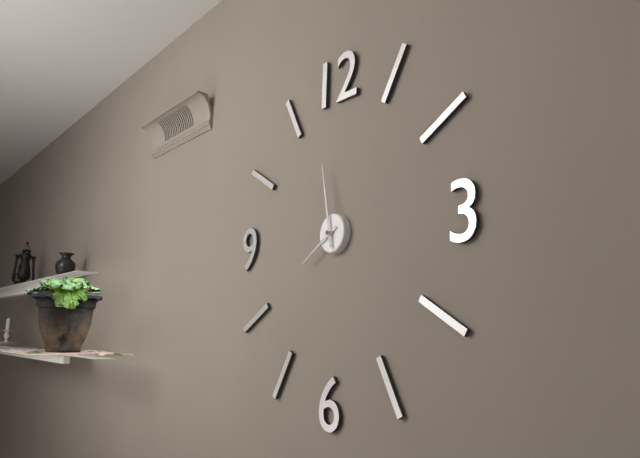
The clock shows h=7 m=58
